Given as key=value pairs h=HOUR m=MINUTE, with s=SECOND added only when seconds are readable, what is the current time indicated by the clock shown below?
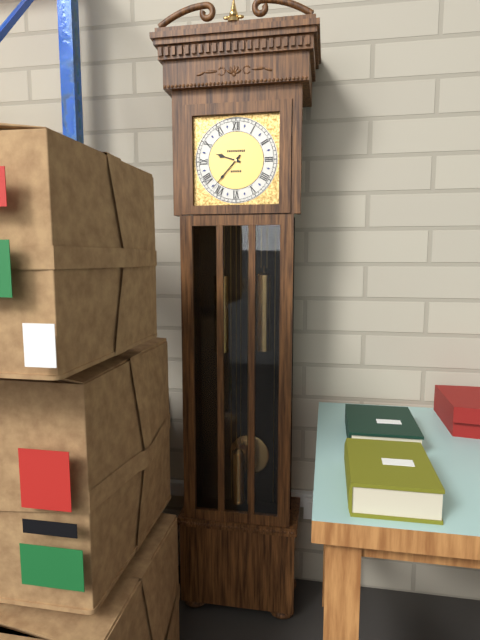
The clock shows h=9 m=37
